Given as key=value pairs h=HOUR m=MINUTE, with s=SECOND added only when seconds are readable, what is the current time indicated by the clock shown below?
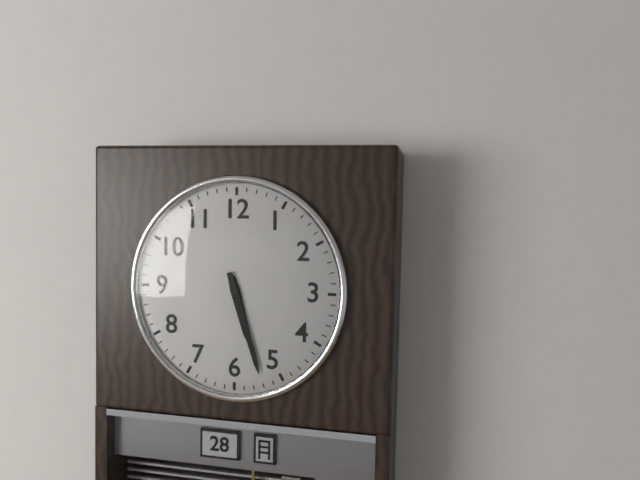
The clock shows h=5 m=27
